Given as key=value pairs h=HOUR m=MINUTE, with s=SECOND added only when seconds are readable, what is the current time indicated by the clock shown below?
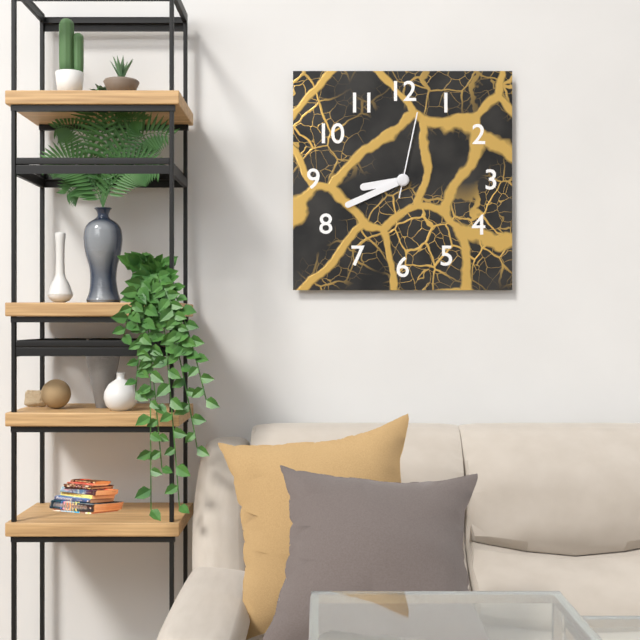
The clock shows h=8 m=41 s=2
